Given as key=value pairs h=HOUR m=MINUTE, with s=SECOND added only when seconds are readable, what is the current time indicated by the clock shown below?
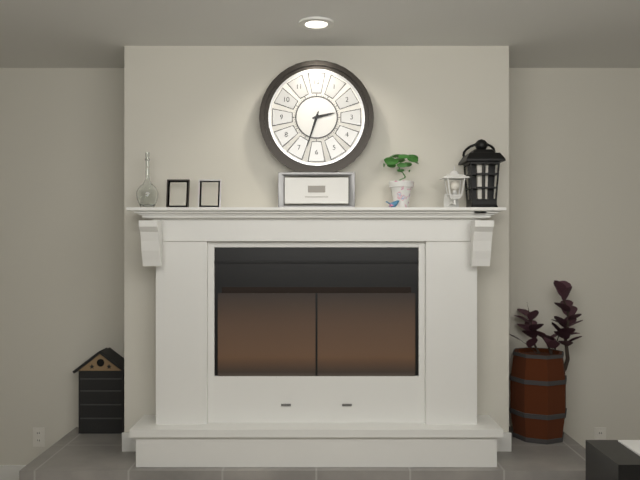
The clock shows h=2 m=33
